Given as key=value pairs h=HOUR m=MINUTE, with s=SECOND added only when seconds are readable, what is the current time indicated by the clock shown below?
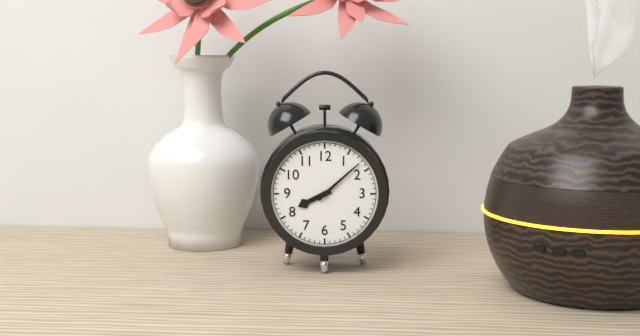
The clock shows h=8 m=8
